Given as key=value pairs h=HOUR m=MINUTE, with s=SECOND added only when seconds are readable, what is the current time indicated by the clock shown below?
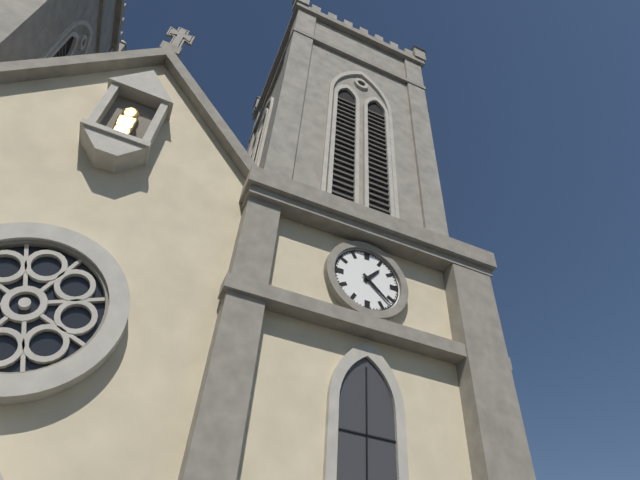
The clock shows h=1 m=22
